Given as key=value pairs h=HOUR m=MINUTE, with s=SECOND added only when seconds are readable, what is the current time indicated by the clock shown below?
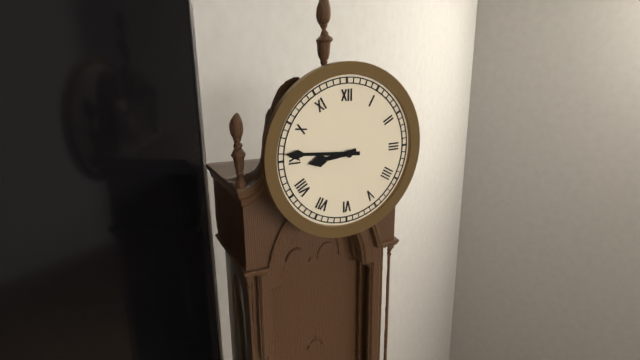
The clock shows h=8 m=46
